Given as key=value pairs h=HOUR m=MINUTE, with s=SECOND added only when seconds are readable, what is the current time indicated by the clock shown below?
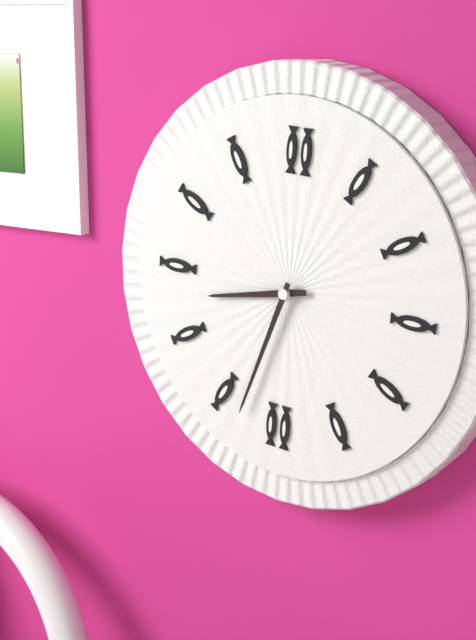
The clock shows h=8 m=33
